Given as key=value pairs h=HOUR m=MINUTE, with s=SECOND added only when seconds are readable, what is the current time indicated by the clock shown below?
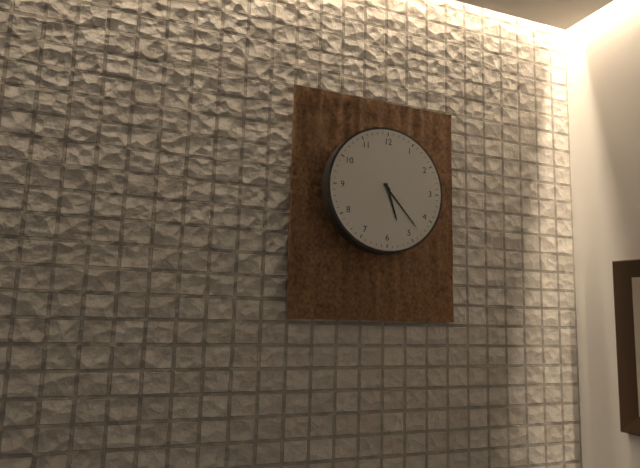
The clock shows h=5 m=23
